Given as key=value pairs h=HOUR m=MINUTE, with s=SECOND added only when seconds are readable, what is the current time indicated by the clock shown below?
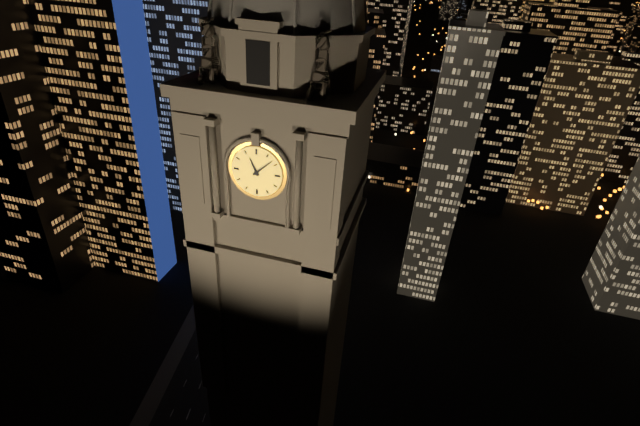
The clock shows h=11 m=8
